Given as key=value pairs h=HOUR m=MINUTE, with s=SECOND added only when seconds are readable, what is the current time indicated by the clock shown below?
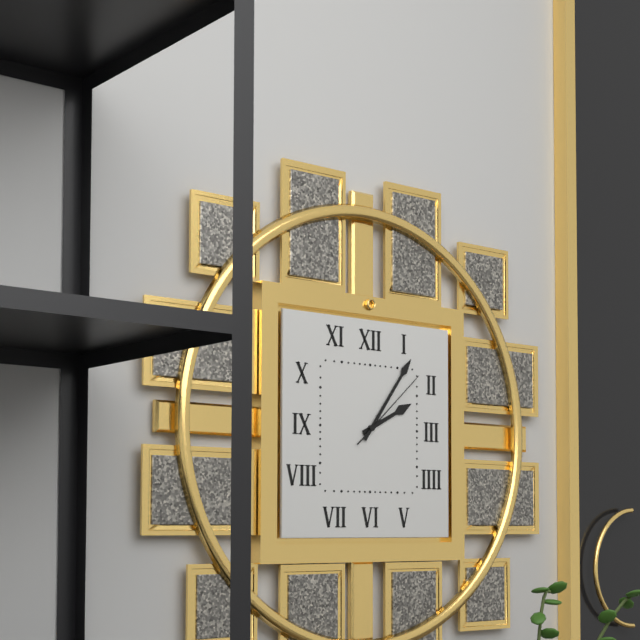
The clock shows h=2 m=6 s=8
